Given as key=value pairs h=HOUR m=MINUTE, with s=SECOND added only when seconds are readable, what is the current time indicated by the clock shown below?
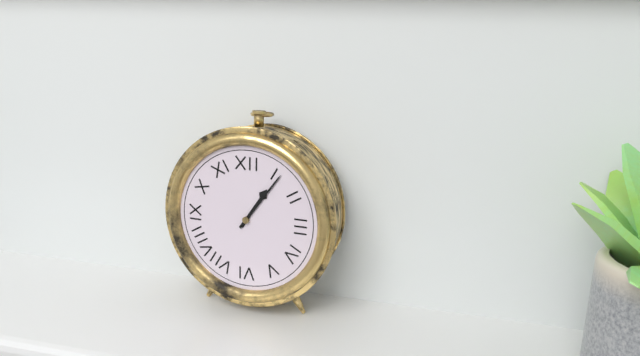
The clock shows h=1 m=6
